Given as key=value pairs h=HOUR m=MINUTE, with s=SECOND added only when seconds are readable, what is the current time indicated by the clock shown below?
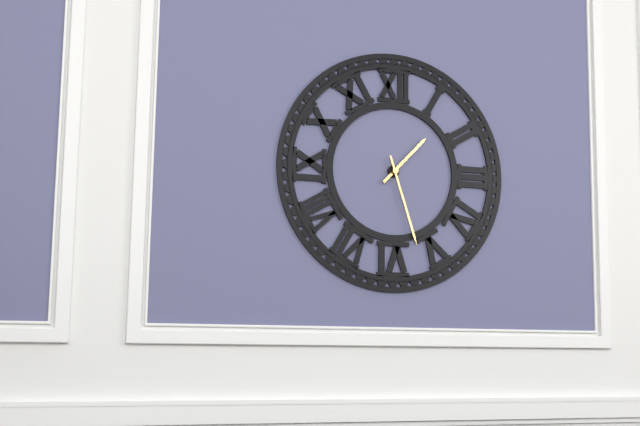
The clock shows h=1 m=27
